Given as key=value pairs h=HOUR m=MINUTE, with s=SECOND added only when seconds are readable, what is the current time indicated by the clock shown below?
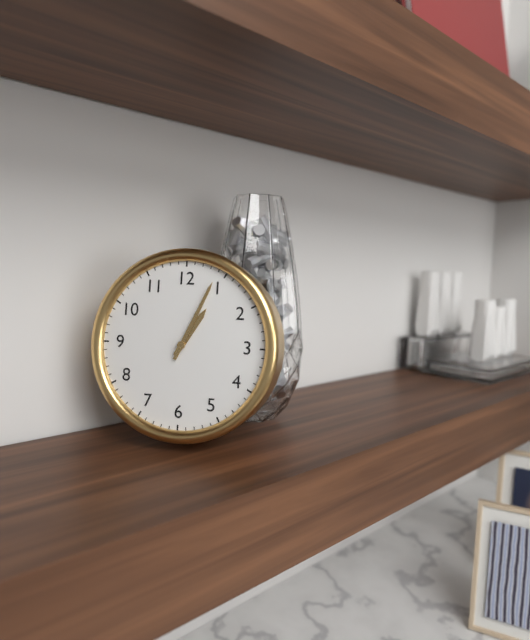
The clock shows h=1 m=4
